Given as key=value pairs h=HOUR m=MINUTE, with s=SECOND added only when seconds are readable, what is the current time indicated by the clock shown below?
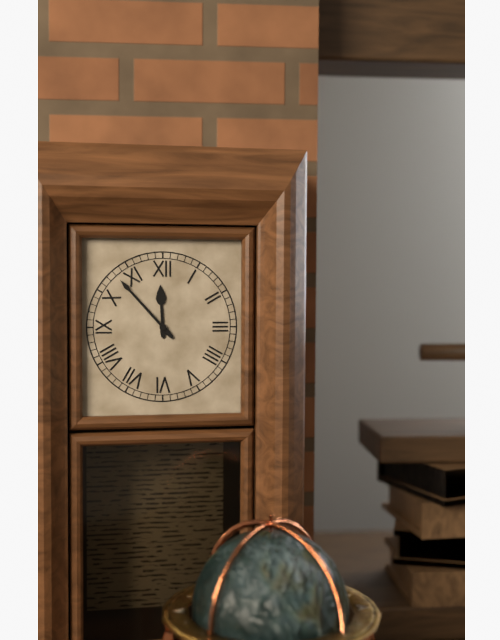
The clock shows h=11 m=53
